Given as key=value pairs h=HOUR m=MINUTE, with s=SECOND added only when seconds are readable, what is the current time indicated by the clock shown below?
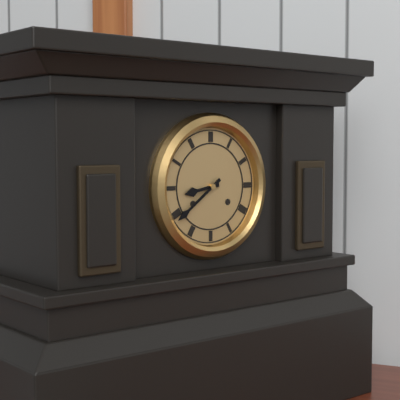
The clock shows h=8 m=39
